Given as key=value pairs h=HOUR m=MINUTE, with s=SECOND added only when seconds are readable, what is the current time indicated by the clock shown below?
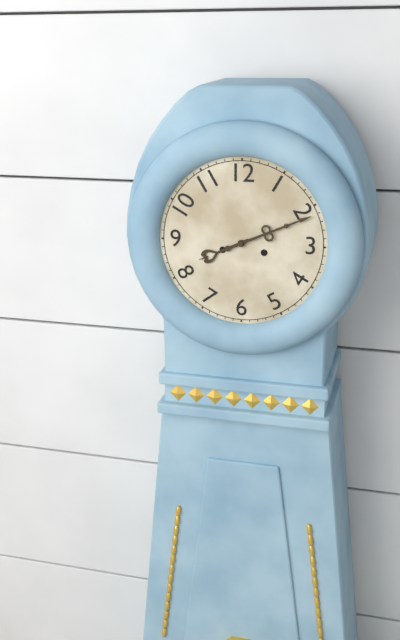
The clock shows h=8 m=11
